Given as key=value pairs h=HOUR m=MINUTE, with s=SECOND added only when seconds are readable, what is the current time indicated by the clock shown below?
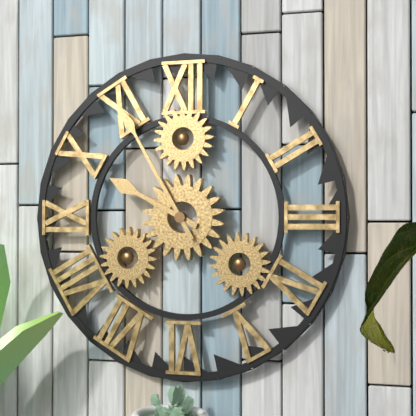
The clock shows h=9 m=55
